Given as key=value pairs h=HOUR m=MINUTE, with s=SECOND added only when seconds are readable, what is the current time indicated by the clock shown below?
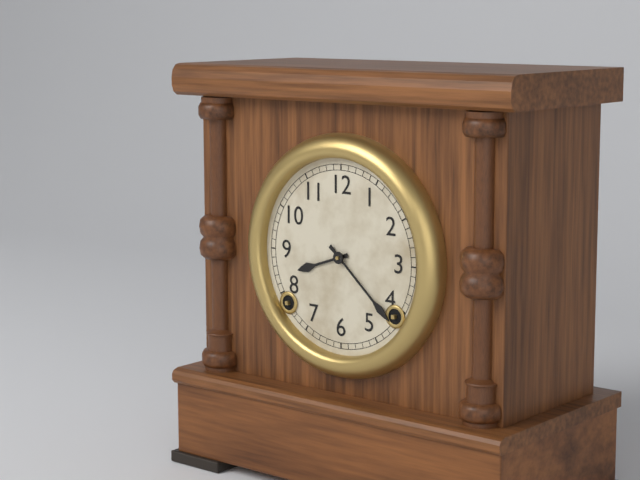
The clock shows h=8 m=22
